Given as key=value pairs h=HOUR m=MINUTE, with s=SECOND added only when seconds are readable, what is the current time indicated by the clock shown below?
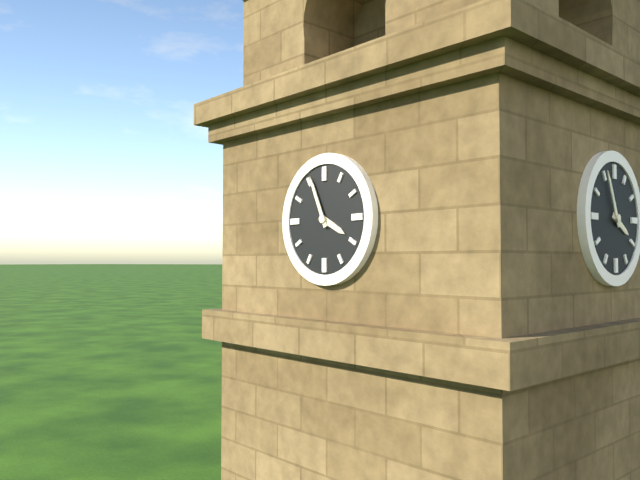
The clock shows h=3 m=56
